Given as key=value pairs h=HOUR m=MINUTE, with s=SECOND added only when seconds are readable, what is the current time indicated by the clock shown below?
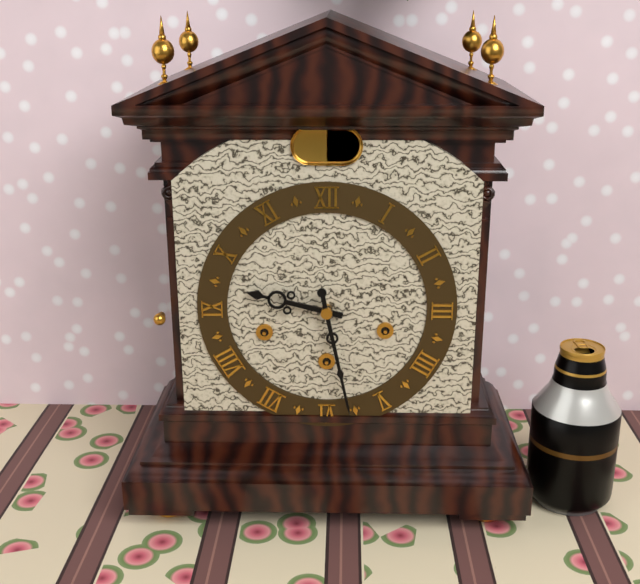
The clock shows h=9 m=28
